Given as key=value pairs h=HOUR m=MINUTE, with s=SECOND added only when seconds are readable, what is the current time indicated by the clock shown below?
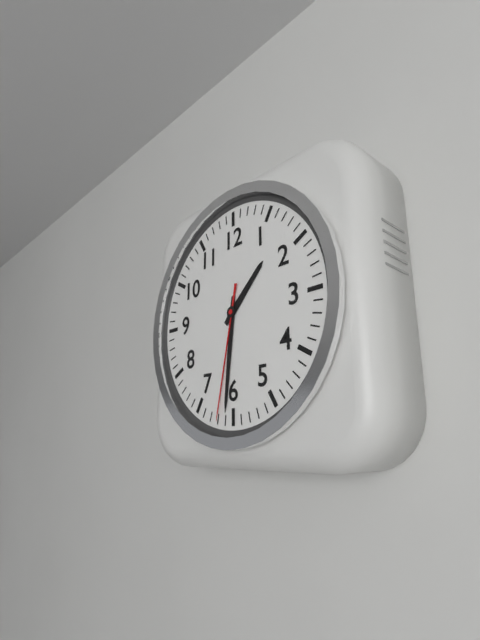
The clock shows h=1 m=31 s=32
